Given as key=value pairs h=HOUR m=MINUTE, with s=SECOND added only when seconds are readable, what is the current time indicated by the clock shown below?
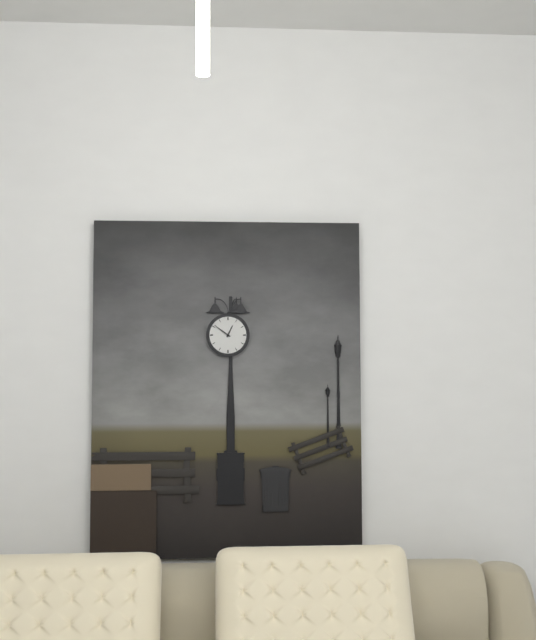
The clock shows h=12 m=51
